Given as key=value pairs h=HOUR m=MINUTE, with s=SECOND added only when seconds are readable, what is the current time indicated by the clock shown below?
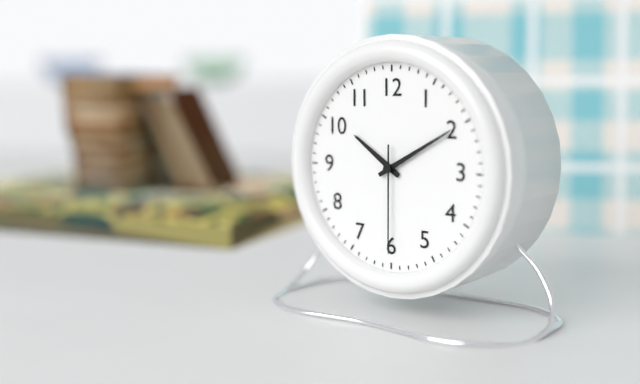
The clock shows h=10 m=10 s=30
